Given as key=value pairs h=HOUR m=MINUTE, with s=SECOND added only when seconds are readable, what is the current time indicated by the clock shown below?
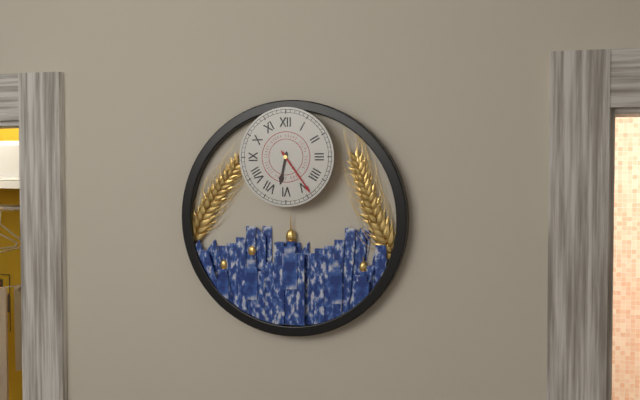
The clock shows h=6 m=24
